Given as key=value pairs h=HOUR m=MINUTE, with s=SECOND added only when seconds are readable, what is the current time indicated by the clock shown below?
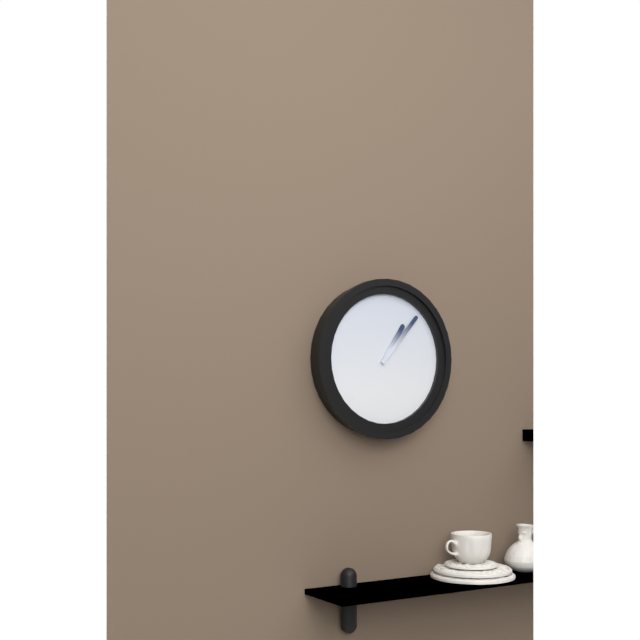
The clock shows h=1 m=7
